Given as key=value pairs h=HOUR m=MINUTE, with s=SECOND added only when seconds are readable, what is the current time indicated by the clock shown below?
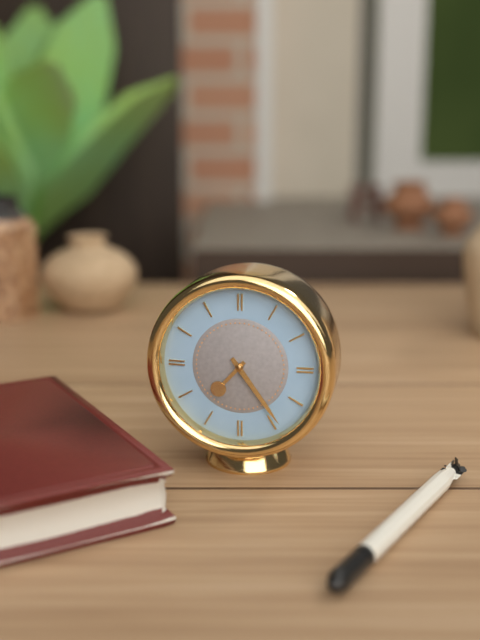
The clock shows h=7 m=24
